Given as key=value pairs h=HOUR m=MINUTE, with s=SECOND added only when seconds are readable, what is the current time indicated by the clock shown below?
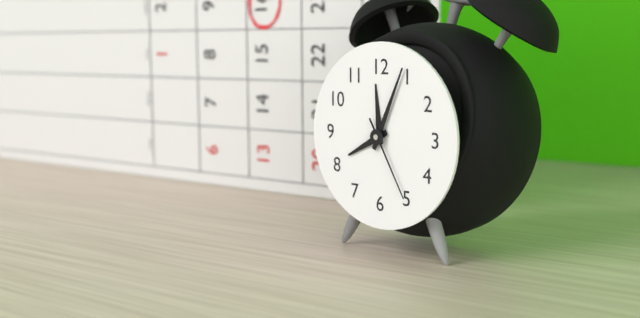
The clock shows h=8 m=4 s=25
